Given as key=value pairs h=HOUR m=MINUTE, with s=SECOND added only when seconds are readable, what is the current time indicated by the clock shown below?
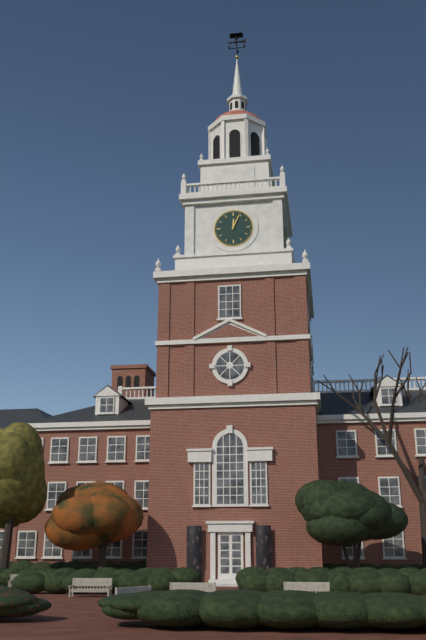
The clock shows h=12 m=4
